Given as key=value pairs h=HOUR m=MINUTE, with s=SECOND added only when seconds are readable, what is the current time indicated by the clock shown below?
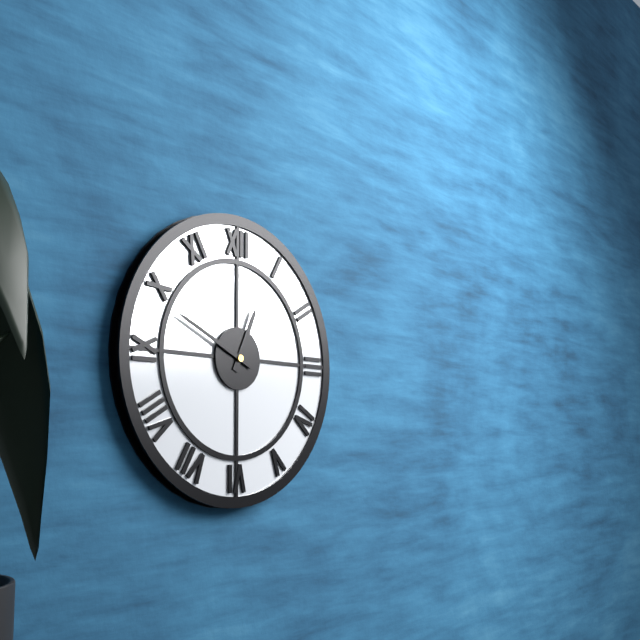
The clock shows h=12 m=49
